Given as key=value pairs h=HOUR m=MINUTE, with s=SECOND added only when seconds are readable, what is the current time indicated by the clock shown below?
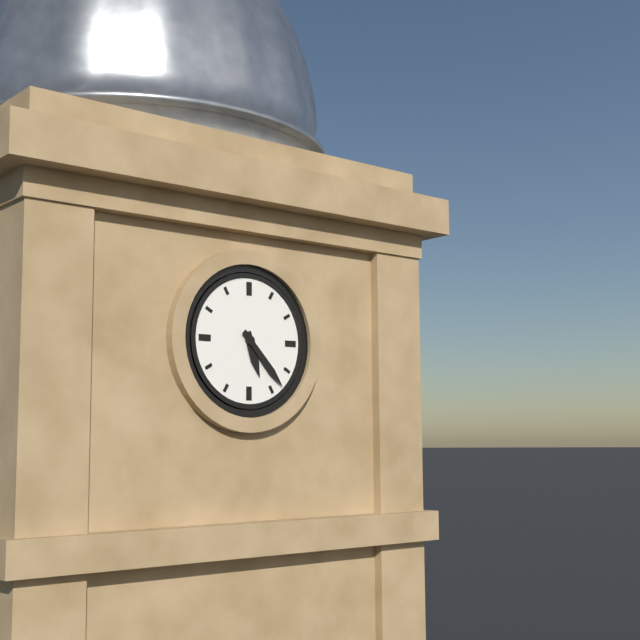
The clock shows h=5 m=23
